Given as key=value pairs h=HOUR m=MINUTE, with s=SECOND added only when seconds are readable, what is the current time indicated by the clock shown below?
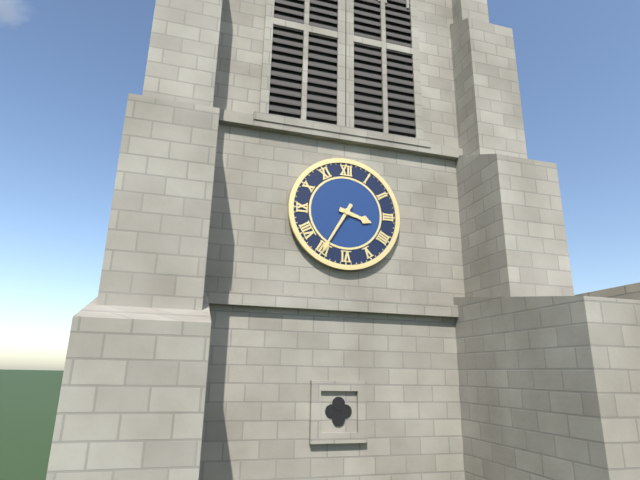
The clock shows h=3 m=35
